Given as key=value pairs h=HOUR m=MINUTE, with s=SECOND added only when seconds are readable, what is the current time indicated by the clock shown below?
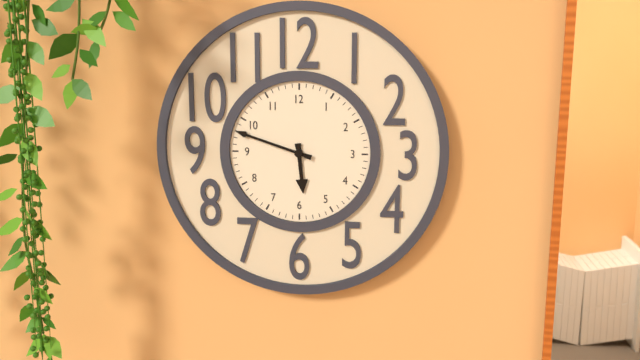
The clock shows h=5 m=48
